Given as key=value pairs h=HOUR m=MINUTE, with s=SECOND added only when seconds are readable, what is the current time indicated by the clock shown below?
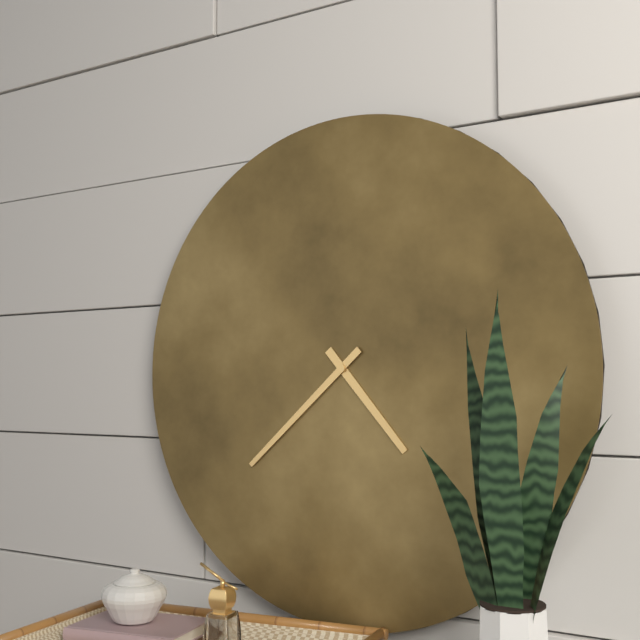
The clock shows h=4 m=38
